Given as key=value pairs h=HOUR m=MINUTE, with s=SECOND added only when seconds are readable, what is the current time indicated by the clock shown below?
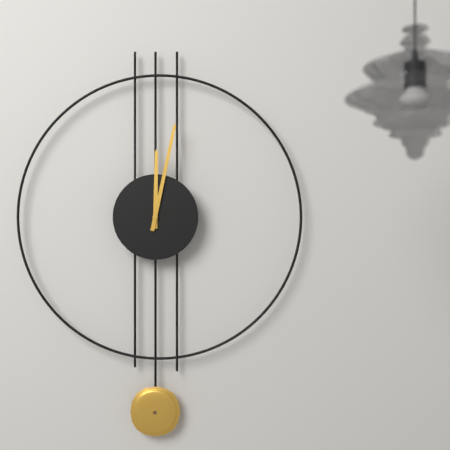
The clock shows h=12 m=2
